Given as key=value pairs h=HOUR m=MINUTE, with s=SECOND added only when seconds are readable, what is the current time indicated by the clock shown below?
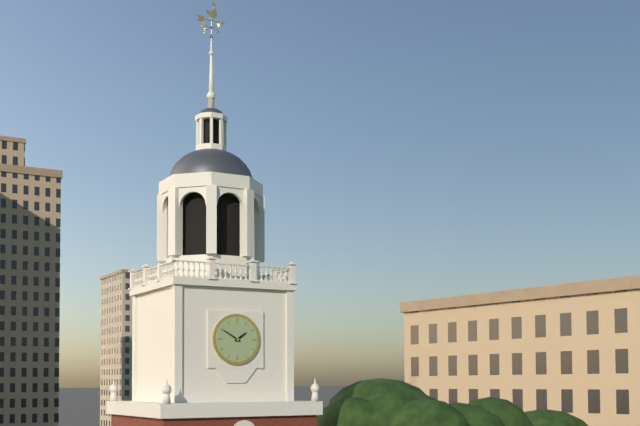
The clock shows h=1 m=50
